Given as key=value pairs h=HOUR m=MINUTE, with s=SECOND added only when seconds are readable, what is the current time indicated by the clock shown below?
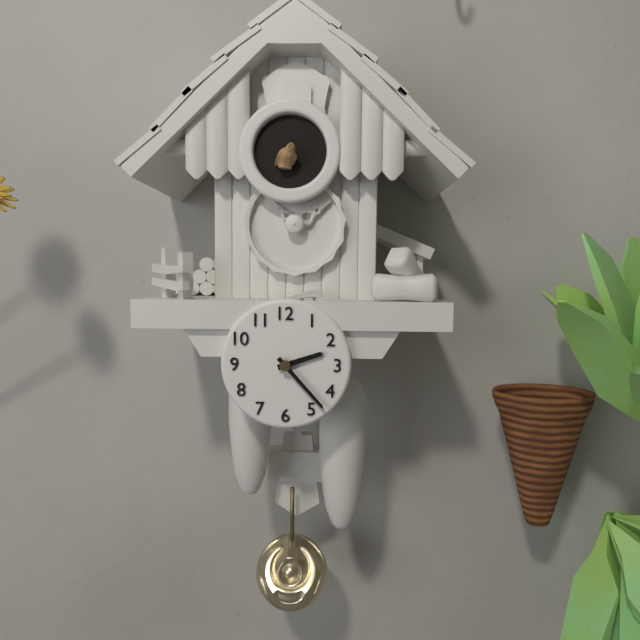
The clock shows h=2 m=23
